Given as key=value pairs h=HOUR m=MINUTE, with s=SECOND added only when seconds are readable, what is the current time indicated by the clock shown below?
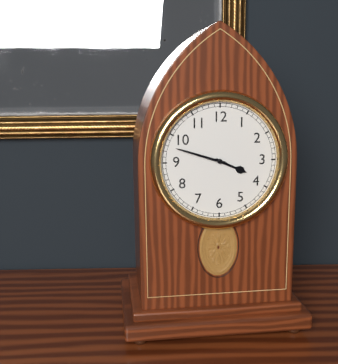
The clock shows h=3 m=48
